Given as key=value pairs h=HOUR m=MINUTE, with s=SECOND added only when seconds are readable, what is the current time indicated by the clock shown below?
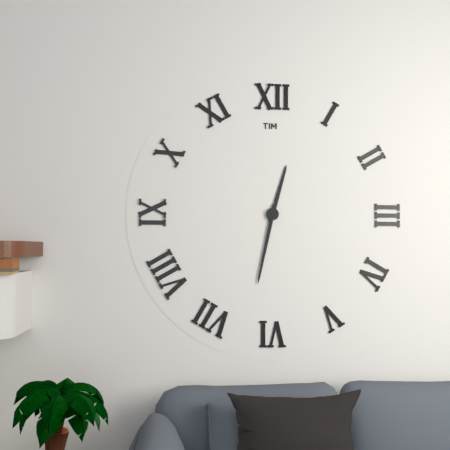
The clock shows h=12 m=32
